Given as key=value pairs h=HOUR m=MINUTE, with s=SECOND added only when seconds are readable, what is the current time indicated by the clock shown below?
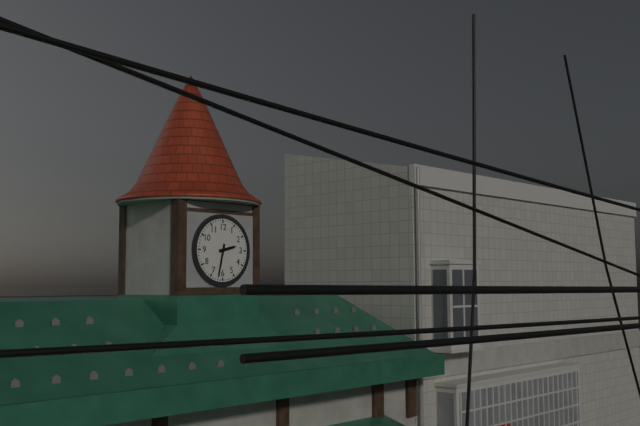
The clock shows h=2 m=32
